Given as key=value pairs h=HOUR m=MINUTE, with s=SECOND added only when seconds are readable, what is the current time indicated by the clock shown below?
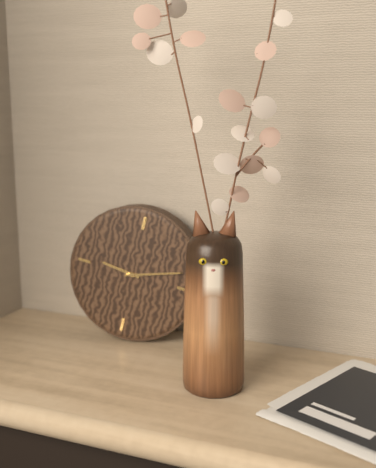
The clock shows h=9 m=12
